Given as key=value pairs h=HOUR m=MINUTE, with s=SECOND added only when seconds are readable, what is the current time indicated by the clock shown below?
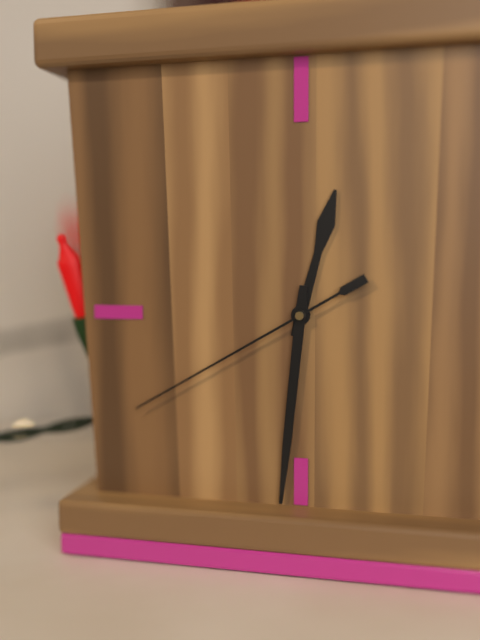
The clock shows h=12 m=31 s=40
